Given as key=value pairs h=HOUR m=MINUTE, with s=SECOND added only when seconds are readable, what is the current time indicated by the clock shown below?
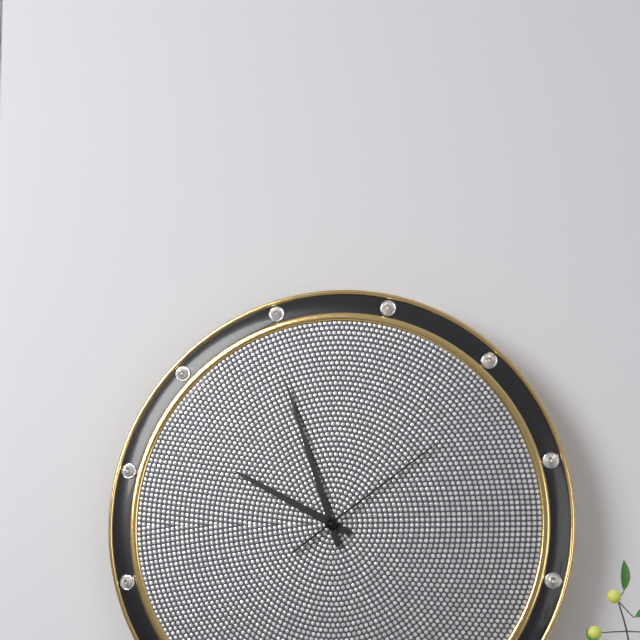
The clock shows h=9 m=57 s=9
